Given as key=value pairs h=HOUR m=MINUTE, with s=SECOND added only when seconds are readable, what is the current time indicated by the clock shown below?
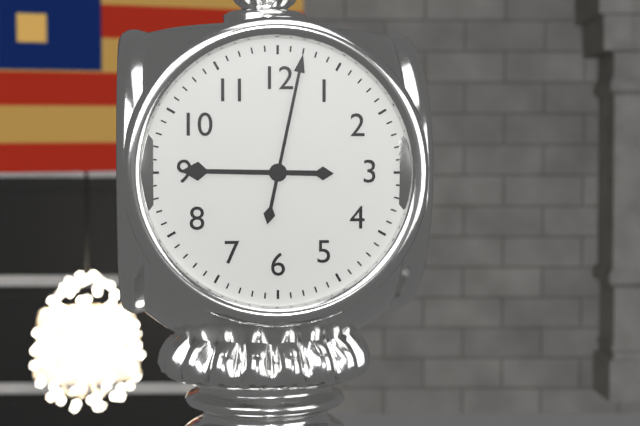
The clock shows h=9 m=2
